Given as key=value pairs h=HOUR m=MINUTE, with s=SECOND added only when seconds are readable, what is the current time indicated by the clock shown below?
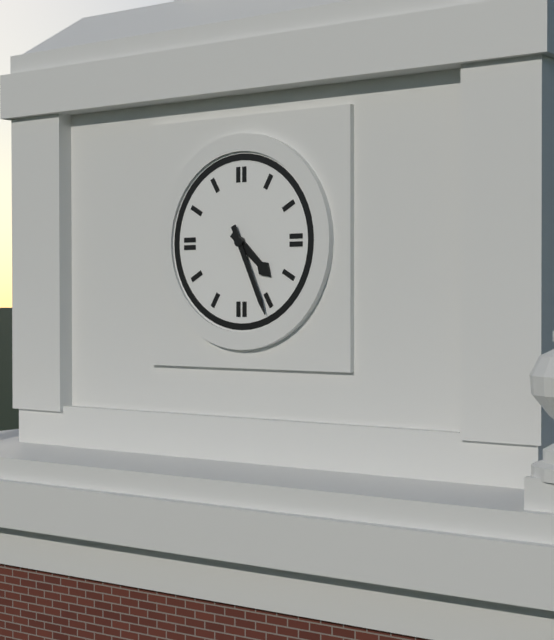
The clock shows h=4 m=26
